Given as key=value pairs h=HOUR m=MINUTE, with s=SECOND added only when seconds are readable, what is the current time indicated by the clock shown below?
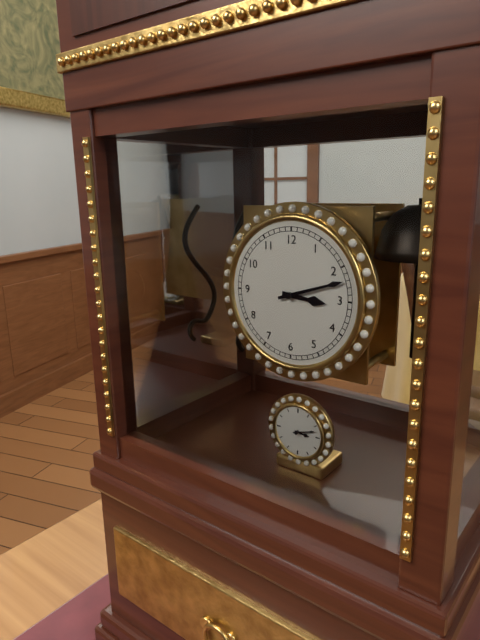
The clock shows h=3 m=12
